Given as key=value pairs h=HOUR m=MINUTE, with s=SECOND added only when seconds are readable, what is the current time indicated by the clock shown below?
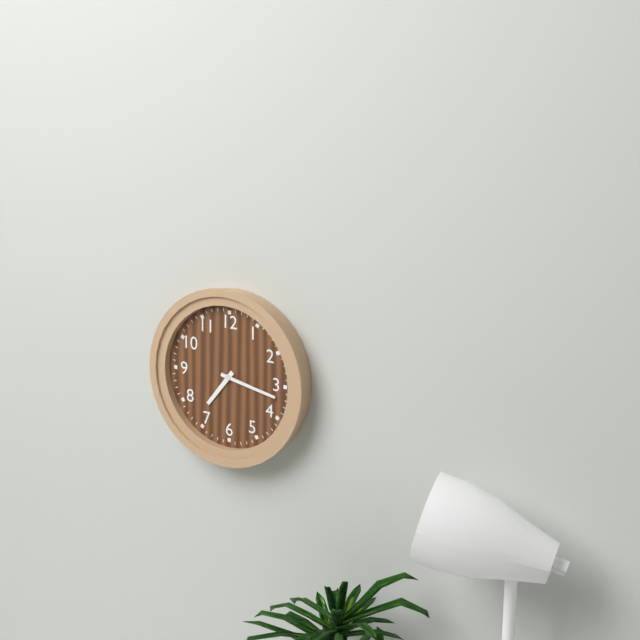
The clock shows h=7 m=17
